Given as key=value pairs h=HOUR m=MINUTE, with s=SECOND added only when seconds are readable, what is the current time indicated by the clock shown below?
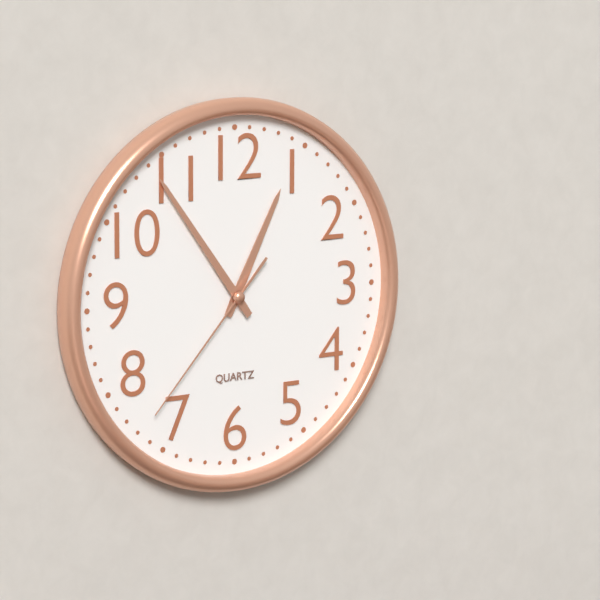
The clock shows h=12 m=54 s=37
